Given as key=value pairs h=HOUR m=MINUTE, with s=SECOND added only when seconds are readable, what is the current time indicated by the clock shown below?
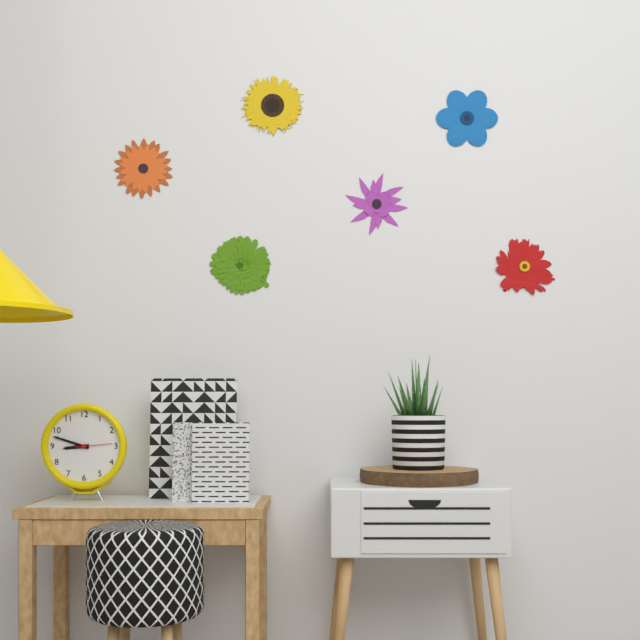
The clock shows h=8 m=48
